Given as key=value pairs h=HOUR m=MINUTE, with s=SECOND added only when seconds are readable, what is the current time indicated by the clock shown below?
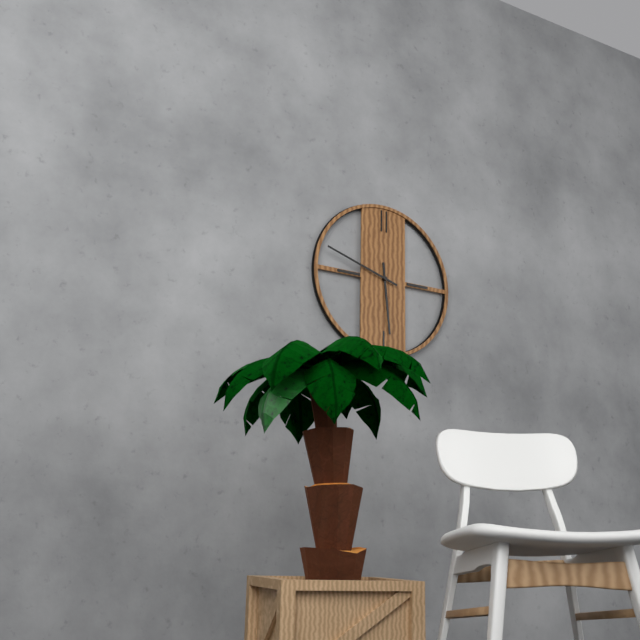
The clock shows h=5 m=48
